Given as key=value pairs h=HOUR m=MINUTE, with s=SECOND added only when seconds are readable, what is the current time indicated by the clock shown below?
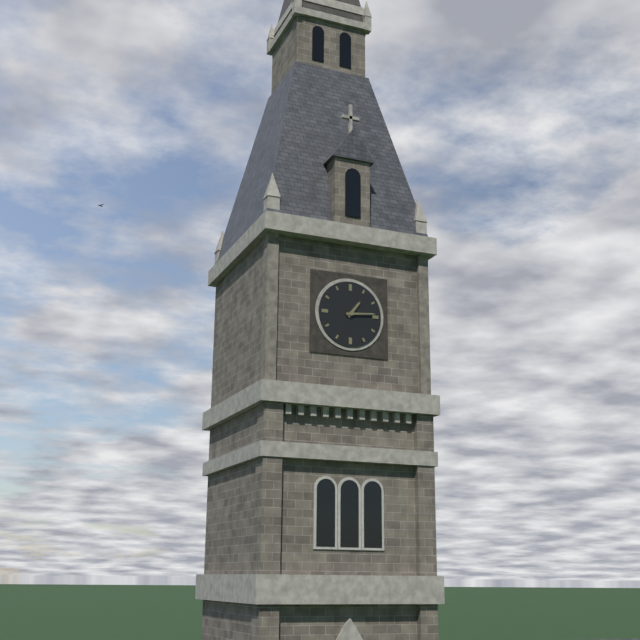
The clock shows h=1 m=14
